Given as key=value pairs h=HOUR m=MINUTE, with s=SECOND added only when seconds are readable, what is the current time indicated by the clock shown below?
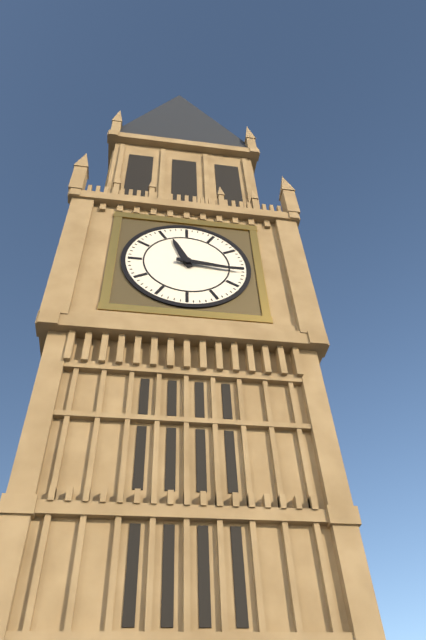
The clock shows h=11 m=16
